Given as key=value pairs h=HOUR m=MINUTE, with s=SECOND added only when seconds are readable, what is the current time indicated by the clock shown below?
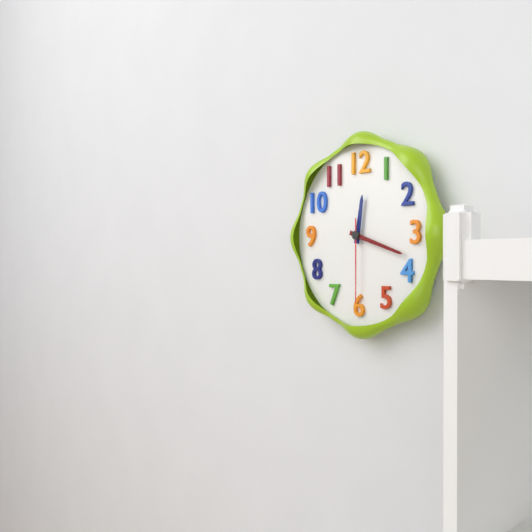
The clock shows h=12 m=18 s=30
